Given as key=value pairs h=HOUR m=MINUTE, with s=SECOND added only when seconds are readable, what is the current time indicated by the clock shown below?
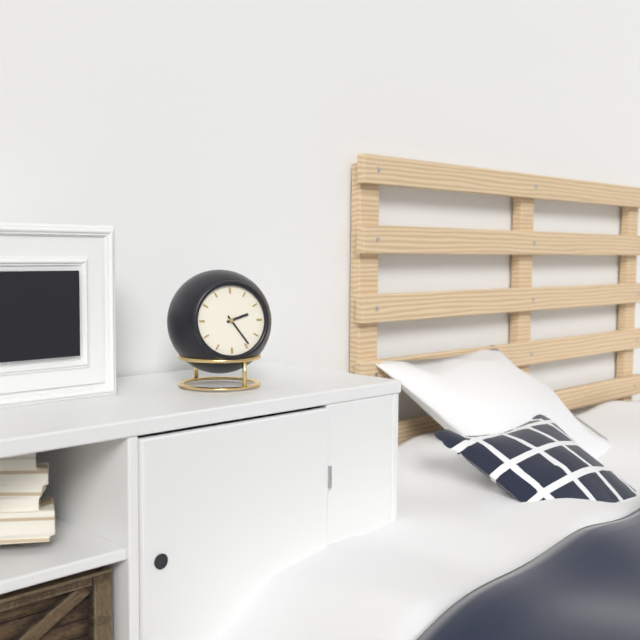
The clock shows h=2 m=24
